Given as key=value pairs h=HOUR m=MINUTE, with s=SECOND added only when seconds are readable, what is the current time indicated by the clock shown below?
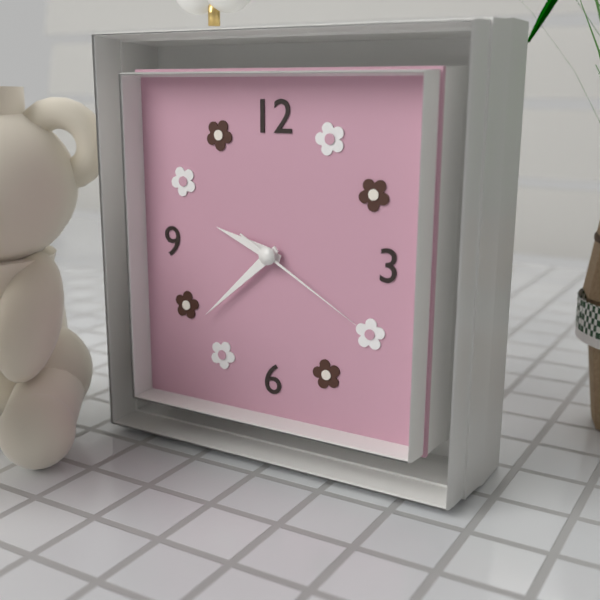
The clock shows h=9 m=38 s=20
